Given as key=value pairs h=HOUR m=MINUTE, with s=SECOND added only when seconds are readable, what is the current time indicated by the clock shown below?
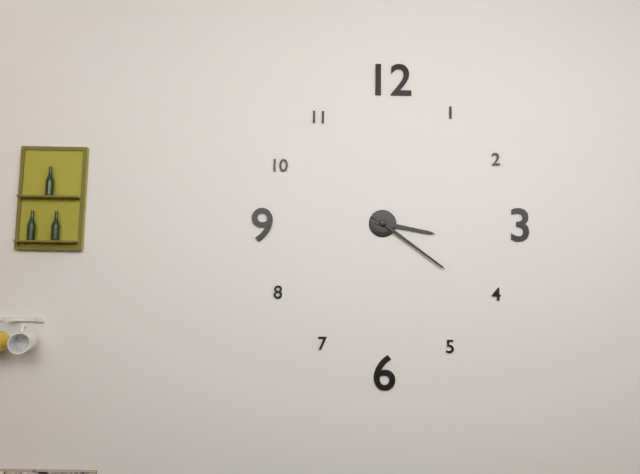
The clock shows h=3 m=21
